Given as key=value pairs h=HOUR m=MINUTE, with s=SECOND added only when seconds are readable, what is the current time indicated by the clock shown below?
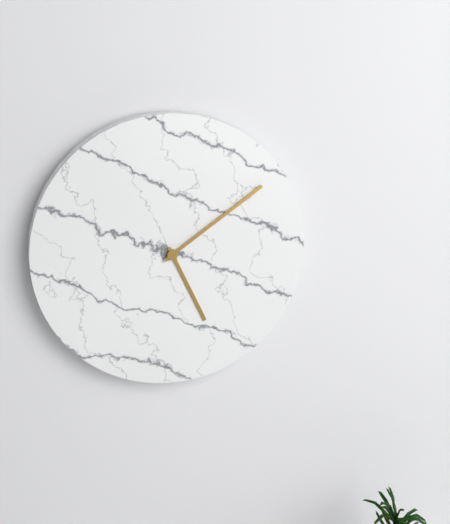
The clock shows h=5 m=9
